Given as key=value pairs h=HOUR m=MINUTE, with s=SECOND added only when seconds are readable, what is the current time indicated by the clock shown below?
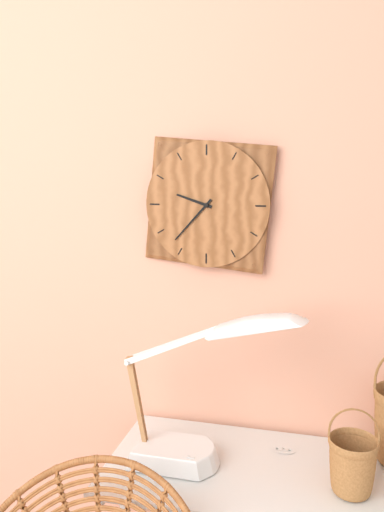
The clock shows h=9 m=37
